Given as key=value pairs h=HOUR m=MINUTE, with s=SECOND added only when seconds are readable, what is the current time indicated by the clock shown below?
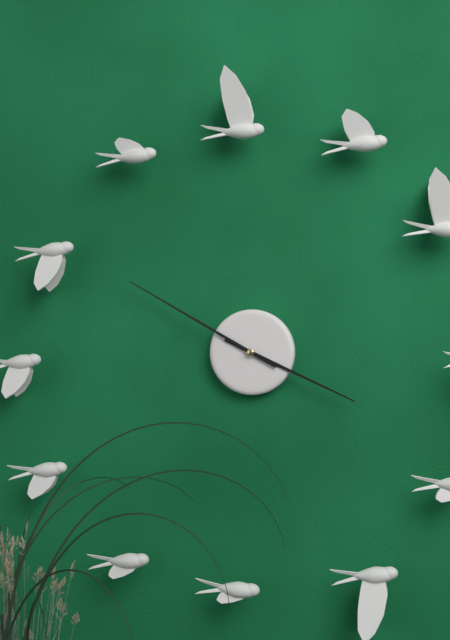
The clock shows h=3 m=50
